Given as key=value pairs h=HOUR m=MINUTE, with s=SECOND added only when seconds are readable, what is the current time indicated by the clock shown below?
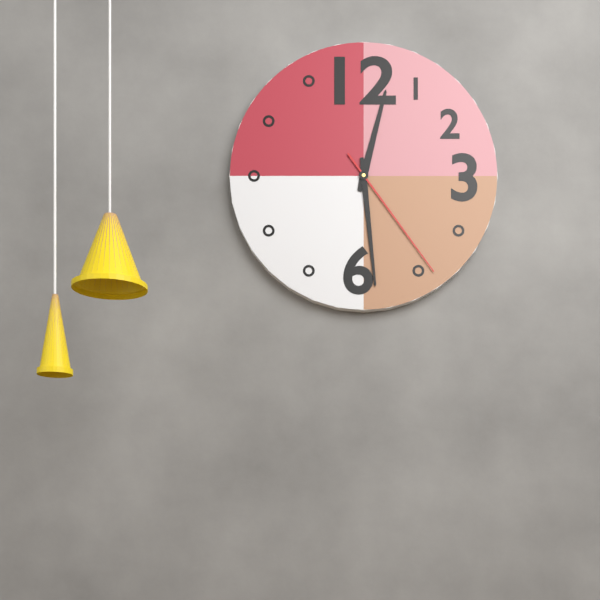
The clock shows h=12 m=29 s=24
